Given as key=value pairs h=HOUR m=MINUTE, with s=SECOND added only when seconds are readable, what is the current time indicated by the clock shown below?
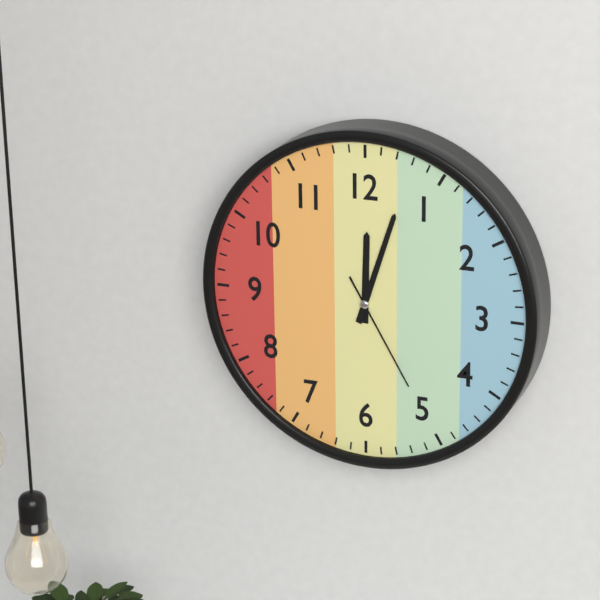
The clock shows h=12 m=3 s=25
